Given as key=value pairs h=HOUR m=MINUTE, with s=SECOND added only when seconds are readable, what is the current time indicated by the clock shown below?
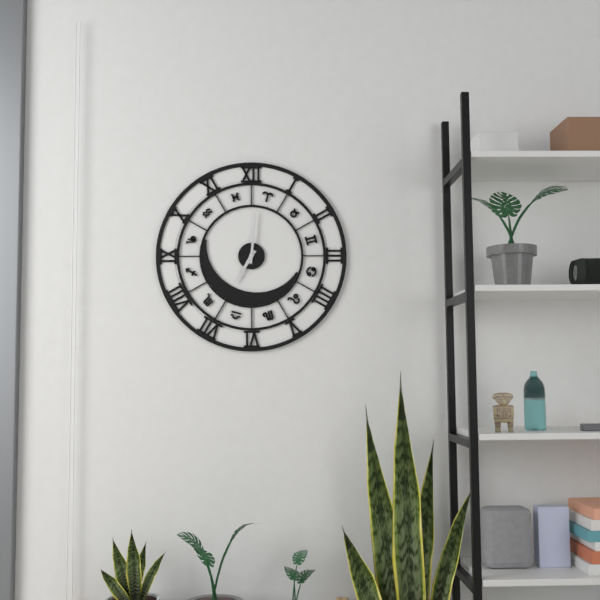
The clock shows h=7 m=1
